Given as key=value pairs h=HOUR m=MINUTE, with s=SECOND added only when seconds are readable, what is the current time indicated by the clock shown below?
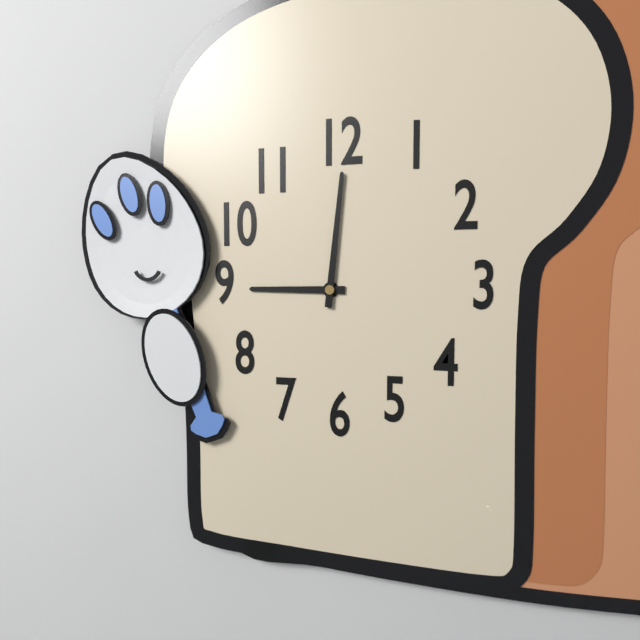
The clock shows h=9 m=1
